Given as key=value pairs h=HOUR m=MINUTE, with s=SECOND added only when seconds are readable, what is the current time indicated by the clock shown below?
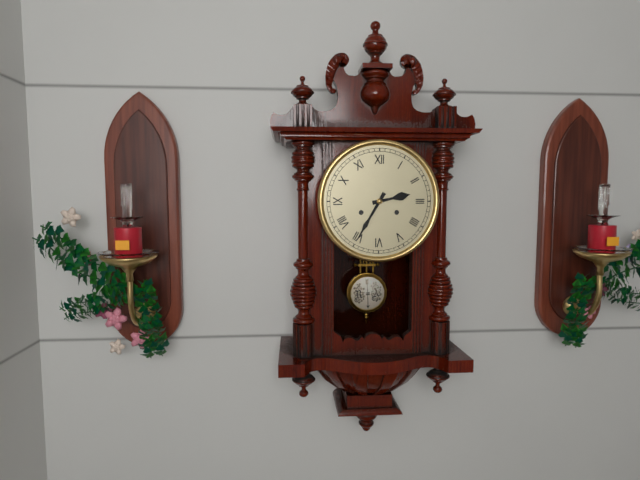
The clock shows h=2 m=35
